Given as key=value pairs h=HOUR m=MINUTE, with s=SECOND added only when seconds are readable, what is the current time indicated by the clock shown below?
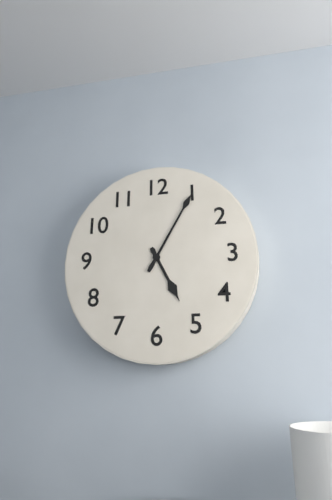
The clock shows h=5 m=5
